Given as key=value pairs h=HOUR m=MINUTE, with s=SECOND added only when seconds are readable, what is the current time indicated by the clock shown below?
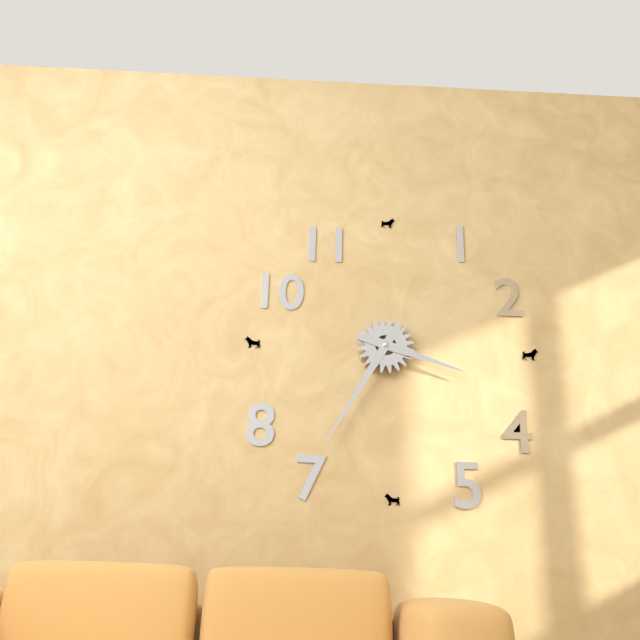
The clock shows h=3 m=35
